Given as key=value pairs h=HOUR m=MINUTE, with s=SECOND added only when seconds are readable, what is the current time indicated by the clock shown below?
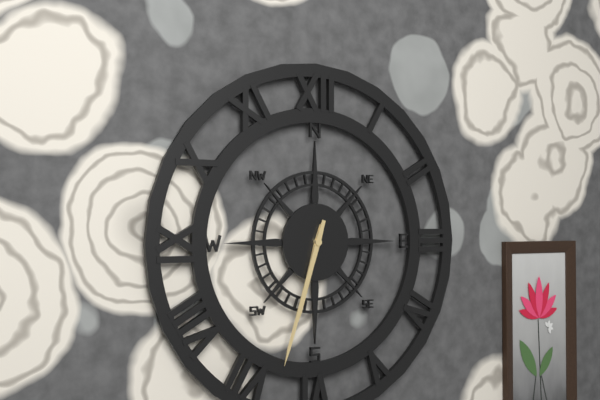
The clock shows h=6 m=33
